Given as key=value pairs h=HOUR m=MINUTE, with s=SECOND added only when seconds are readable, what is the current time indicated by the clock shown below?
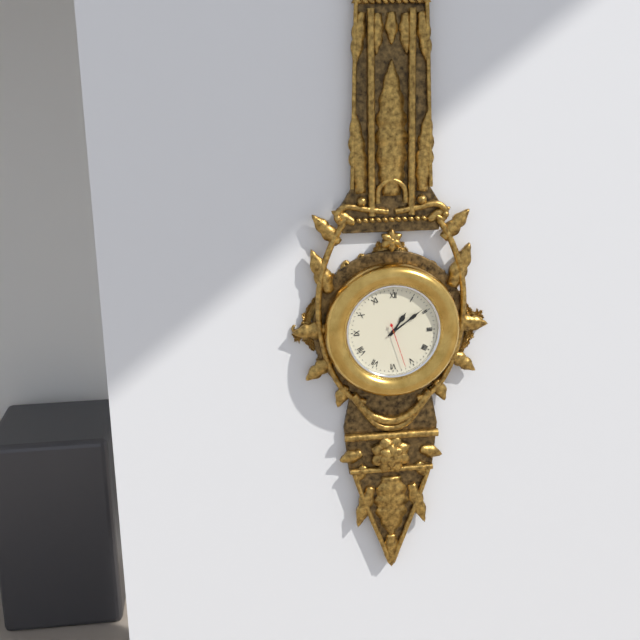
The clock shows h=1 m=9 s=27
